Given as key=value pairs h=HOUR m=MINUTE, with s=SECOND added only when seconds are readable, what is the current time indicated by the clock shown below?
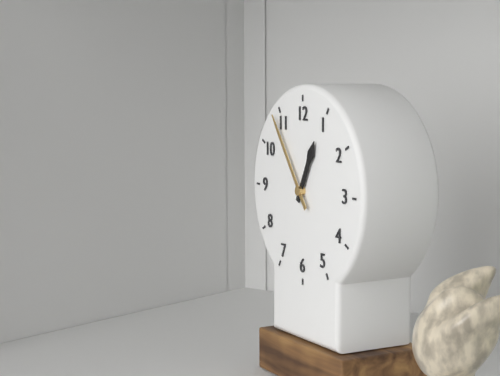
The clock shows h=12 m=54
